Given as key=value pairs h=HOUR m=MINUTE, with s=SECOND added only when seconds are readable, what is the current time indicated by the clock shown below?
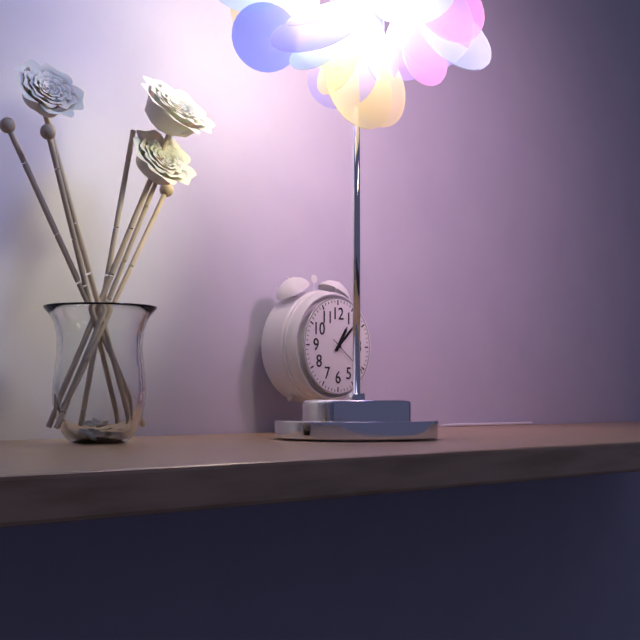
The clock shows h=1 m=8
